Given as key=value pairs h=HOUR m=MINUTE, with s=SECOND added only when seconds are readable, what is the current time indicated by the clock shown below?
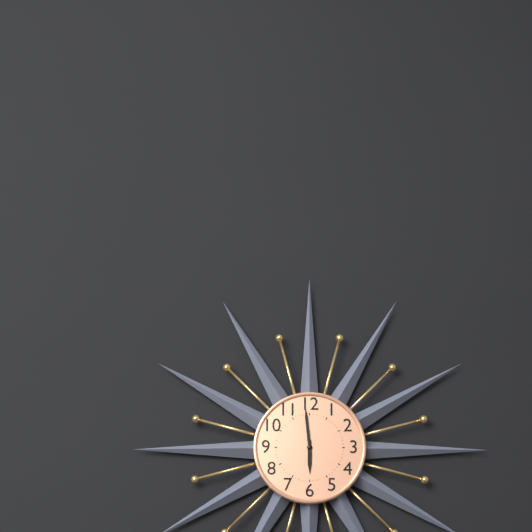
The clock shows h=5 m=59
